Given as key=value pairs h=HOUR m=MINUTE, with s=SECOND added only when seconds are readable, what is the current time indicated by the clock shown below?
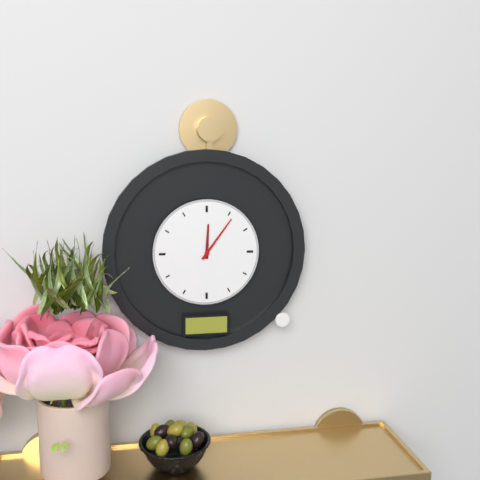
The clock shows h=12 m=6
